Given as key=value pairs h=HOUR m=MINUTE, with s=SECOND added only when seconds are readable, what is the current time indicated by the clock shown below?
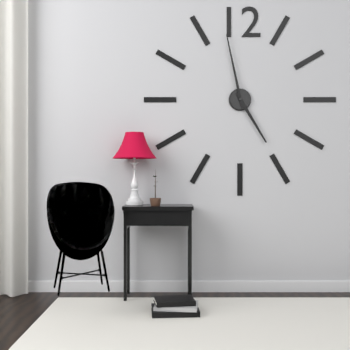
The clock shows h=4 m=58
